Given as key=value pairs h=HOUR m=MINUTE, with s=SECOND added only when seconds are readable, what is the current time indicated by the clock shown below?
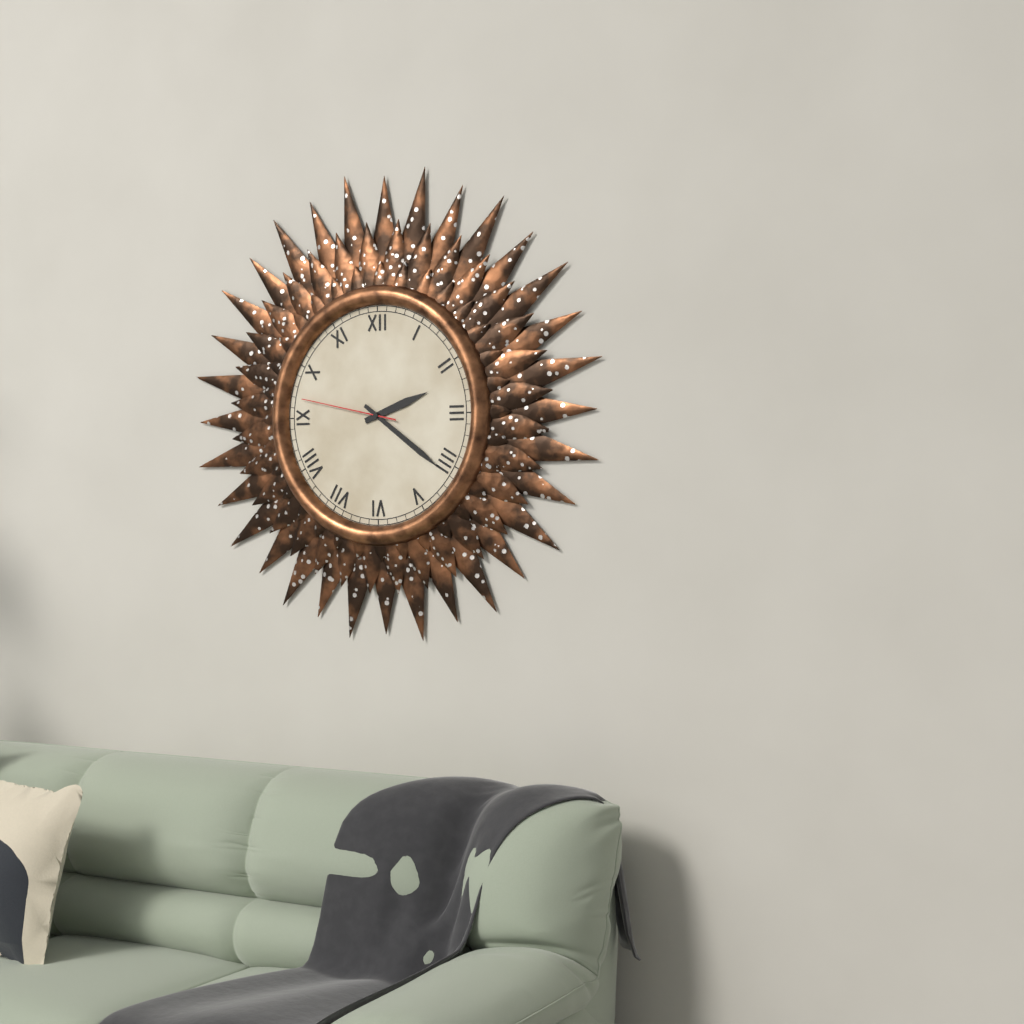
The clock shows h=2 m=21 s=47
